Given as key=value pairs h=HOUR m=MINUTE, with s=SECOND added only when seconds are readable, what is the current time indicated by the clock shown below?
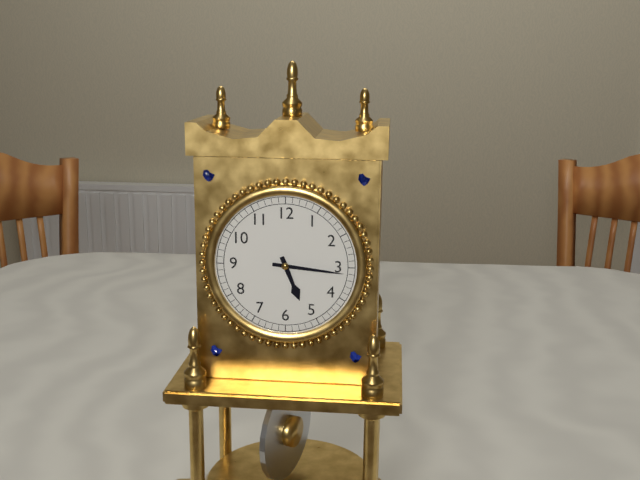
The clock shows h=5 m=16
